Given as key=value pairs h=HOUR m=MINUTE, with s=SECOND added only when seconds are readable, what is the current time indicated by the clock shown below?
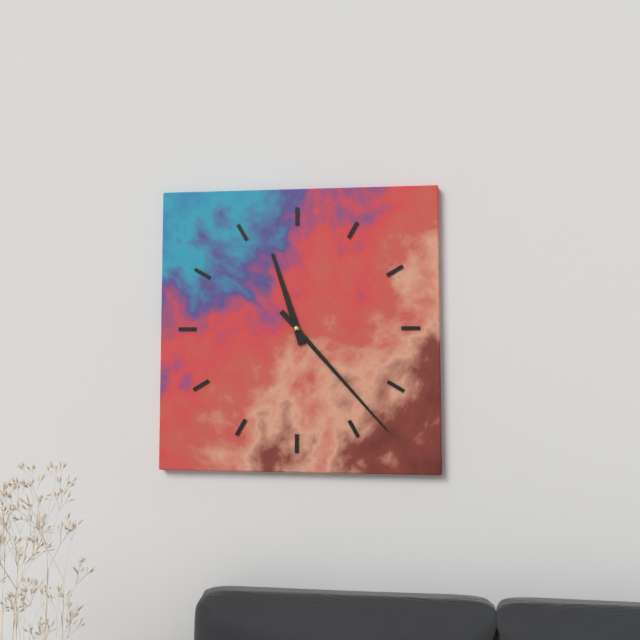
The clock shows h=11 m=23
